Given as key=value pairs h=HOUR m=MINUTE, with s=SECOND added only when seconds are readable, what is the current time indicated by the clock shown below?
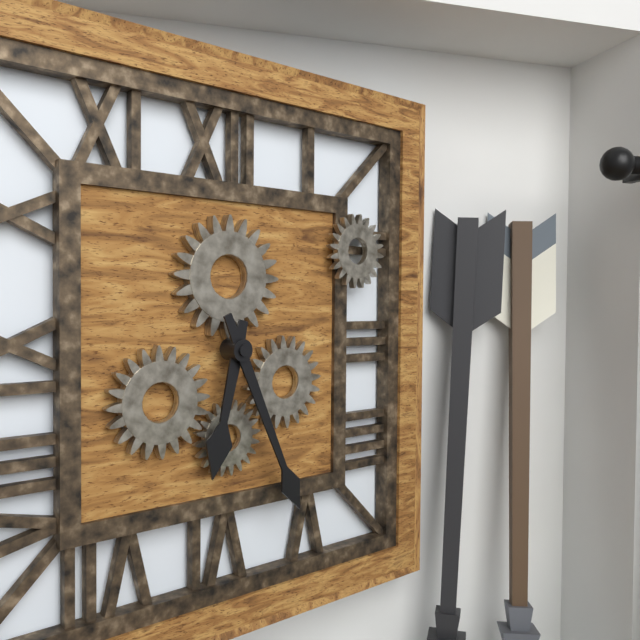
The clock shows h=6 m=26
